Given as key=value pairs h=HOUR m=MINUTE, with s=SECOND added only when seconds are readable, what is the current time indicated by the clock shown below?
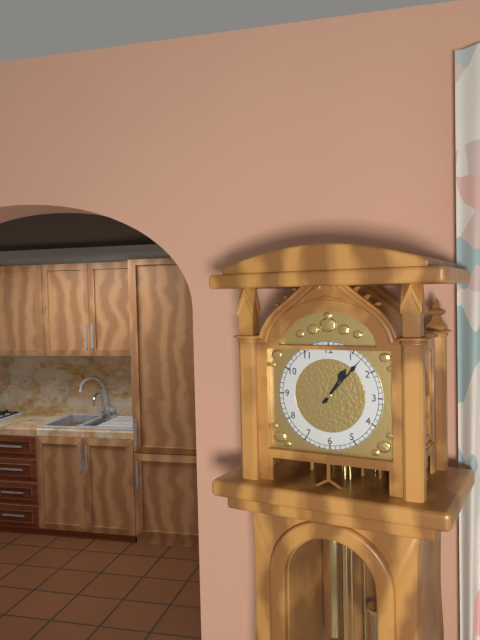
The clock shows h=1 m=7
